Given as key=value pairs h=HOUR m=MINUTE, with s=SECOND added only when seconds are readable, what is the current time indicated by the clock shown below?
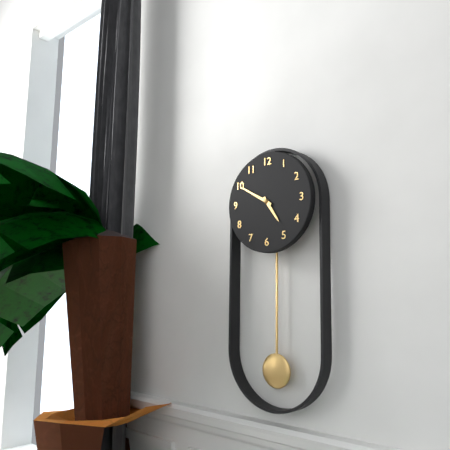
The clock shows h=4 m=50
